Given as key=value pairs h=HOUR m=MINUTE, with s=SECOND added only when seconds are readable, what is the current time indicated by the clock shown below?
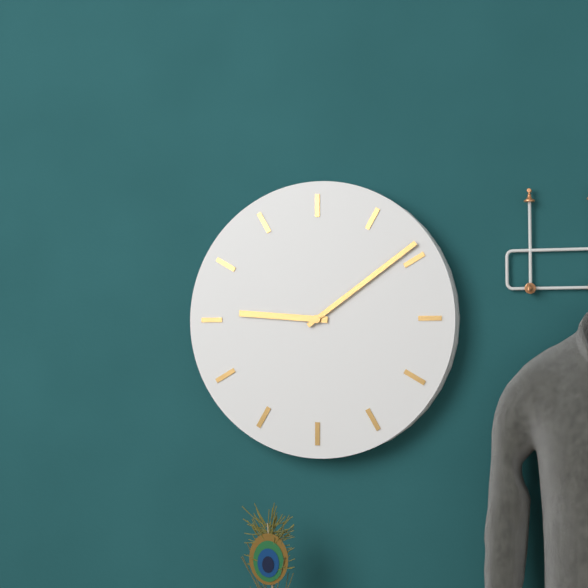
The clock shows h=9 m=9
